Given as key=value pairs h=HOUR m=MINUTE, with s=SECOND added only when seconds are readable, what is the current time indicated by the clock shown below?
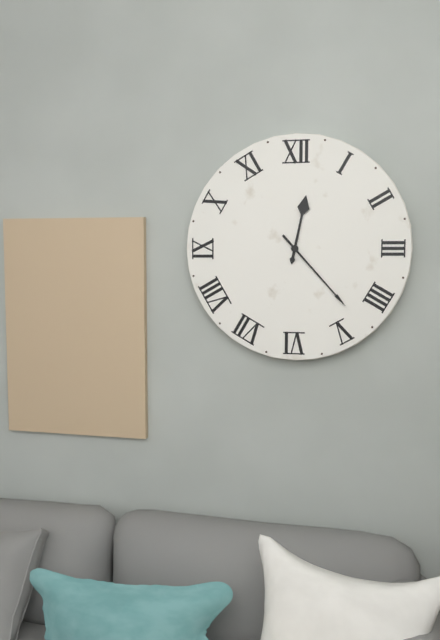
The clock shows h=12 m=23
